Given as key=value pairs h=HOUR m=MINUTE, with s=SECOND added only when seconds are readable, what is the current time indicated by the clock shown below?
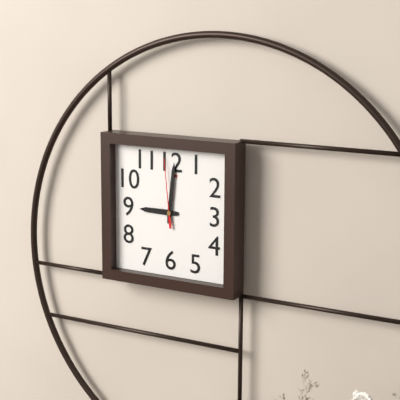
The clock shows h=9 m=1 s=59
